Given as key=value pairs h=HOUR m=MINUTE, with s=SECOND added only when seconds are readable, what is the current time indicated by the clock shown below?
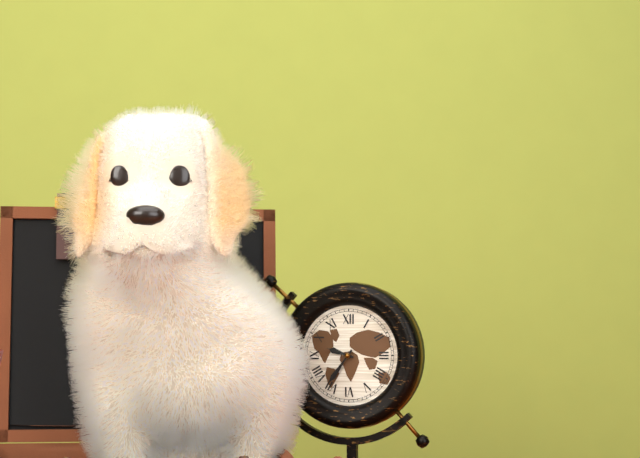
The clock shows h=9 m=36
